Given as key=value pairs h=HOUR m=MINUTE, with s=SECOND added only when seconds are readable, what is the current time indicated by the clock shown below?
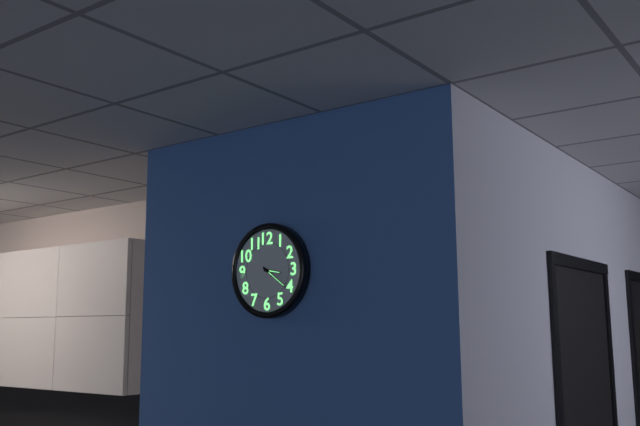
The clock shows h=3 m=21
